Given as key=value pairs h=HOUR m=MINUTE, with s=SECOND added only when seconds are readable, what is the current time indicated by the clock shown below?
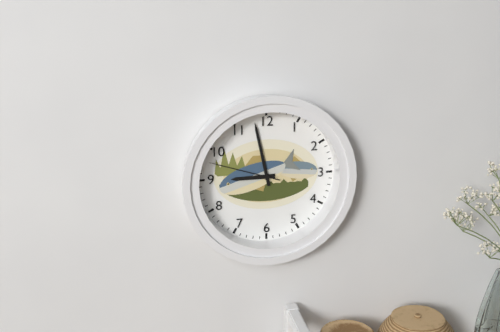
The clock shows h=8 m=58 s=48
